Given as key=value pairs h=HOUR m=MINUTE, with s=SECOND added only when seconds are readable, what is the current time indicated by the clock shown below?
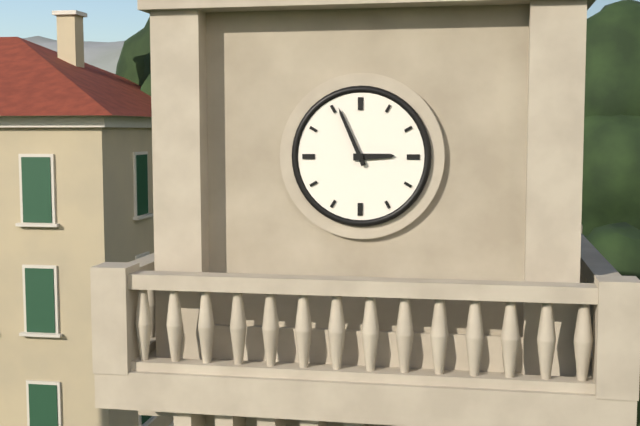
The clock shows h=2 m=56
